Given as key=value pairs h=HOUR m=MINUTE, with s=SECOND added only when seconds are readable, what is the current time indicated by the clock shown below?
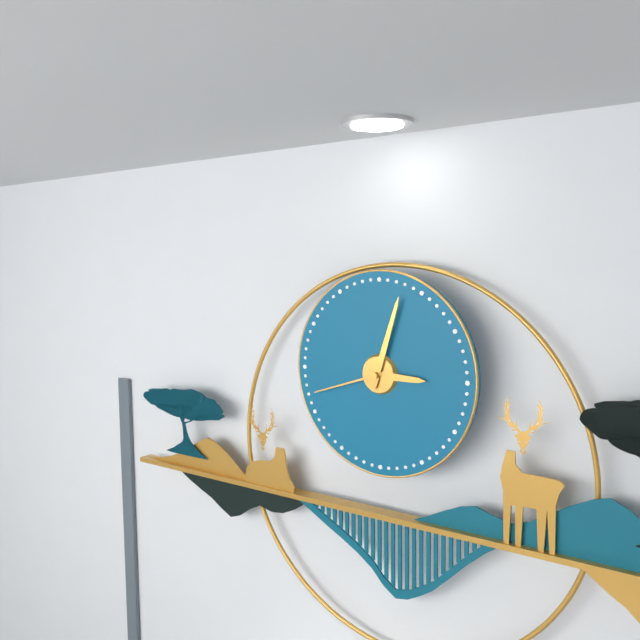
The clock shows h=3 m=3 s=42
